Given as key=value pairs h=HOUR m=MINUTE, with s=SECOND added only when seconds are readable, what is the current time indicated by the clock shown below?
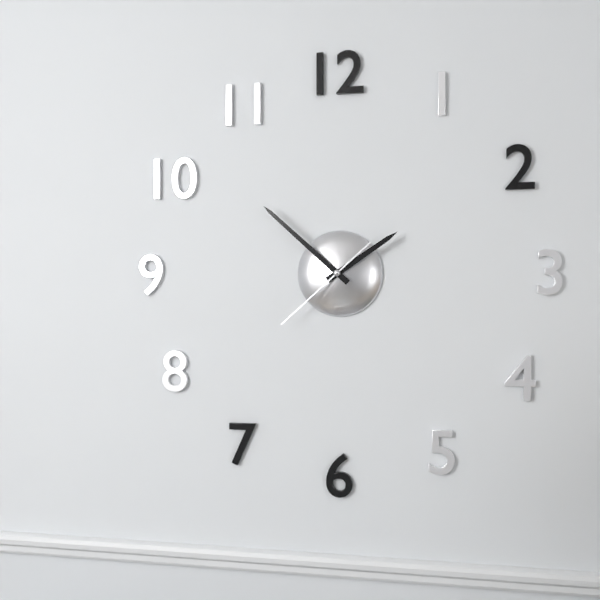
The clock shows h=1 m=52 s=38
